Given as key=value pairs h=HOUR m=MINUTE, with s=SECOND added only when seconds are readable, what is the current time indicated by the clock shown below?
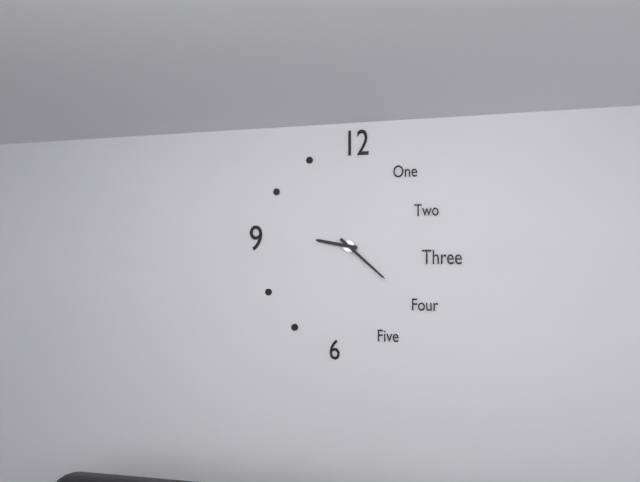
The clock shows h=9 m=22
